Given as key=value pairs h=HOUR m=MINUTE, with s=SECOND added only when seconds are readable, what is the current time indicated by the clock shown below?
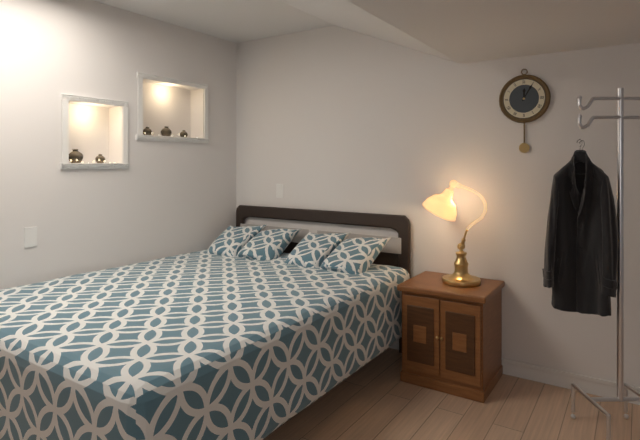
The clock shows h=12 m=5
